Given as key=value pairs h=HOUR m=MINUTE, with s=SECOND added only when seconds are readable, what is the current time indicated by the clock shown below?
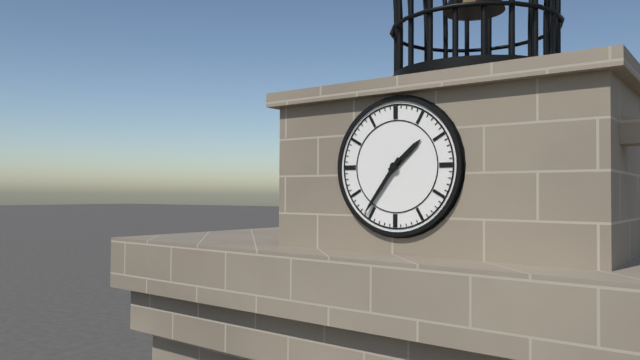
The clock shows h=1 m=36
